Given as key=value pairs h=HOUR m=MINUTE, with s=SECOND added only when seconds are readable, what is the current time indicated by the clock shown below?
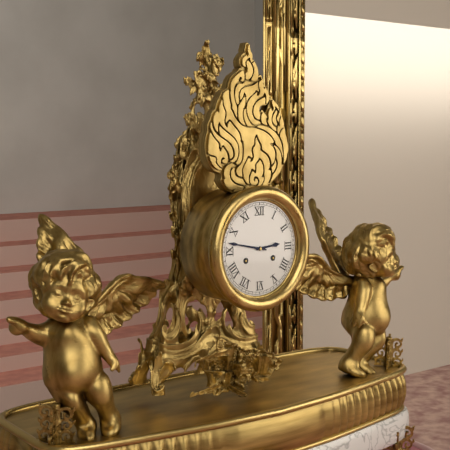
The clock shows h=2 m=47
